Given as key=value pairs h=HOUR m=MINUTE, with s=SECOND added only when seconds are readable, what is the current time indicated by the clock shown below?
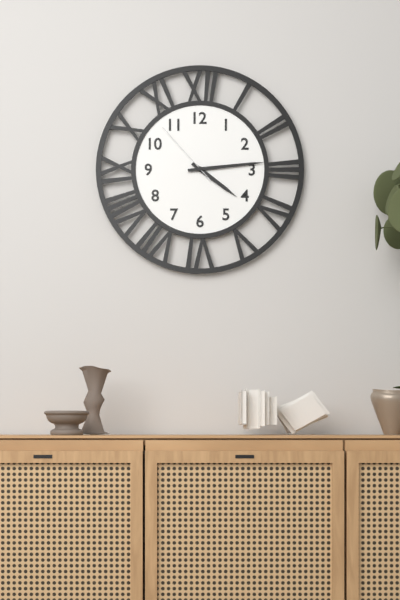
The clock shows h=4 m=14 s=53
